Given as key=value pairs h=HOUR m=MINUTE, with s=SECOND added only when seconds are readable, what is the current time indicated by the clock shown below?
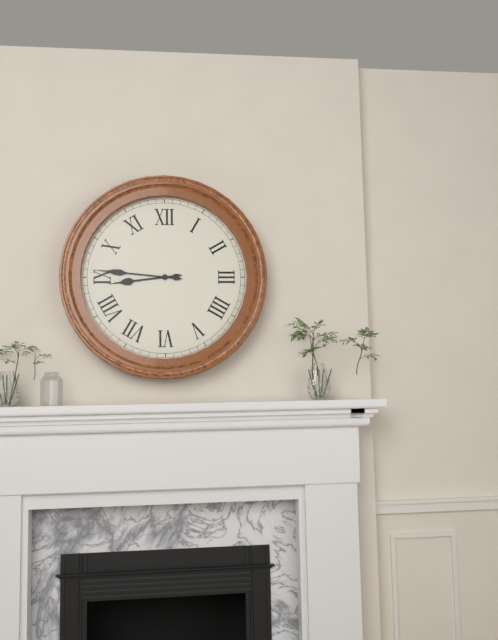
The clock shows h=8 m=46
